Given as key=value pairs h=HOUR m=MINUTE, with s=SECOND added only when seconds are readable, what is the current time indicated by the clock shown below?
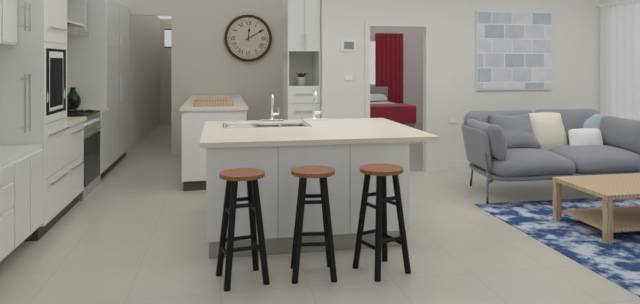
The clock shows h=12 m=10
